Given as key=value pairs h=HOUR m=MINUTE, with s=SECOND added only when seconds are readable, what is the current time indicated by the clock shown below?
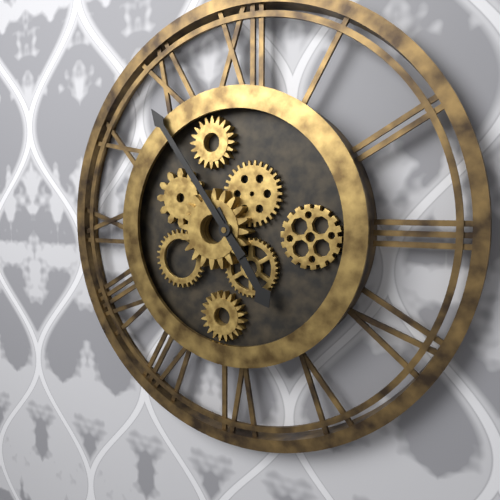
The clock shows h=4 m=54
